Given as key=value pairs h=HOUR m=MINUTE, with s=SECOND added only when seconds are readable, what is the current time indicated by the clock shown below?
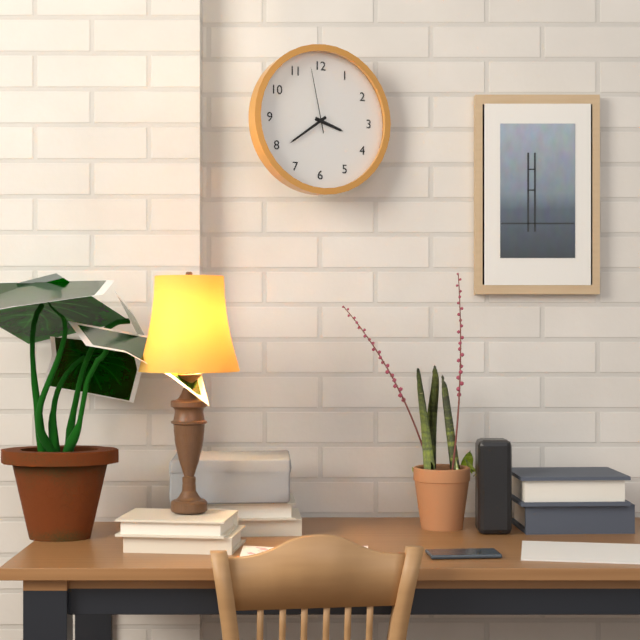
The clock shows h=3 m=39 s=58
